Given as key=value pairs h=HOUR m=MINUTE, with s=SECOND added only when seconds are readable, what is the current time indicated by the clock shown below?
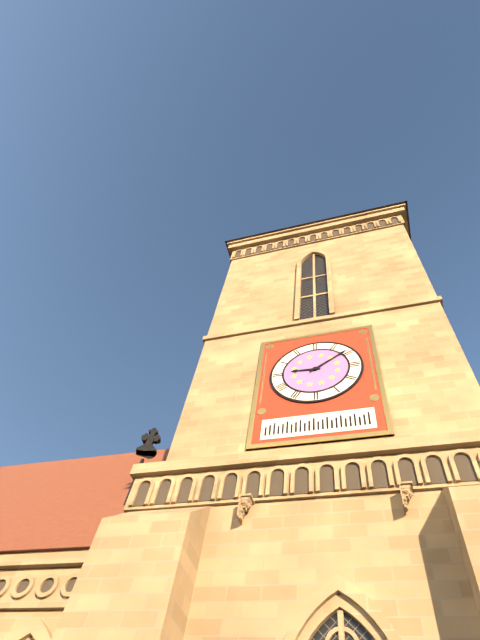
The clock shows h=9 m=9
